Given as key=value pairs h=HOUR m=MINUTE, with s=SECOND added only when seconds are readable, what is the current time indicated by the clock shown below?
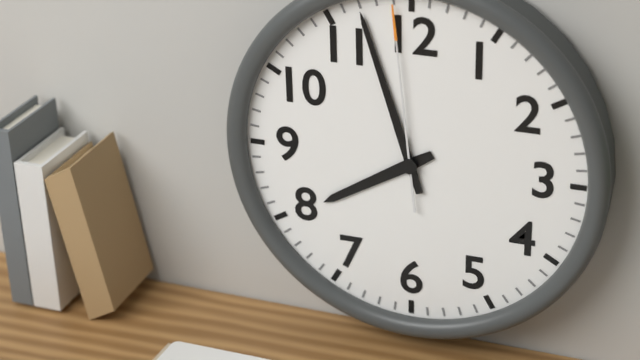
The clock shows h=7 m=57 s=59
